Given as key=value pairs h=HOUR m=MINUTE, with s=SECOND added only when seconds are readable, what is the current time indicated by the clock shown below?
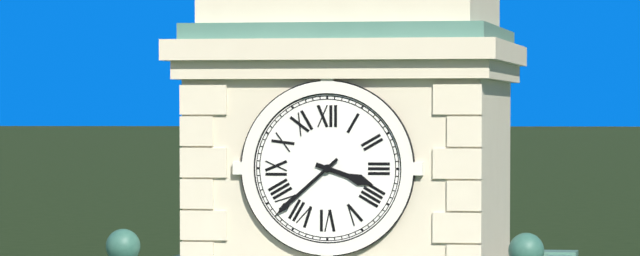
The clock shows h=3 m=38
